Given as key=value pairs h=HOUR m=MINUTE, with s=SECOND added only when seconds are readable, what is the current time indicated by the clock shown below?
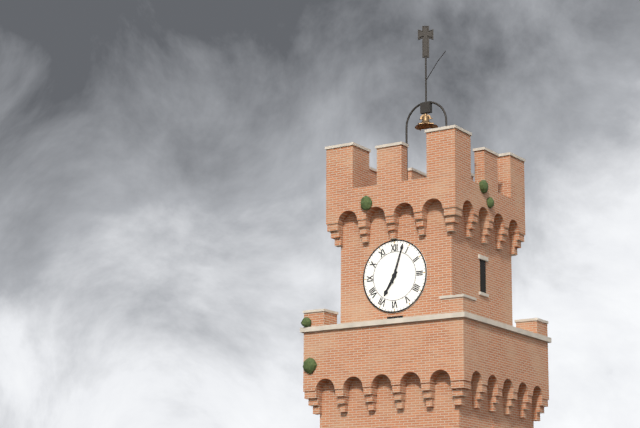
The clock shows h=7 m=3
